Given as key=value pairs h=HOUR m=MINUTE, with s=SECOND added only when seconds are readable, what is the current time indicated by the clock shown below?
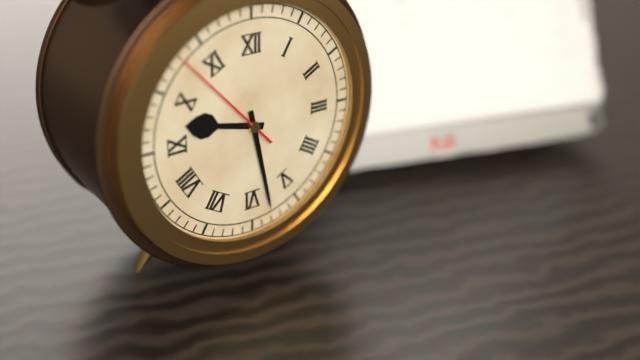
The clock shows h=9 m=28 s=53
